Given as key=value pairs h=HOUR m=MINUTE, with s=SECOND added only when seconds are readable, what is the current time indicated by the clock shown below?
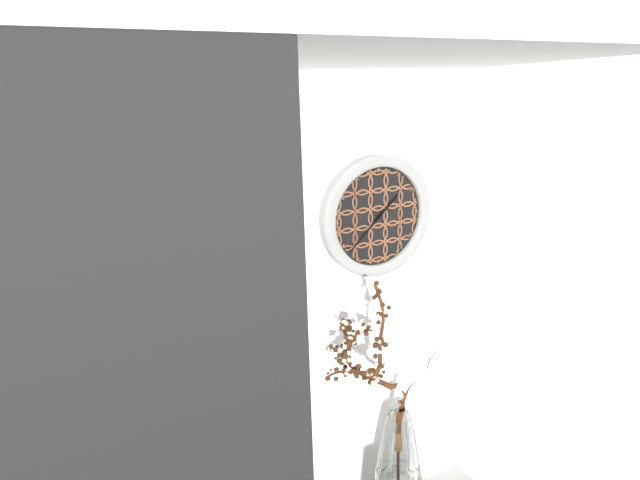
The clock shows h=1 m=38
